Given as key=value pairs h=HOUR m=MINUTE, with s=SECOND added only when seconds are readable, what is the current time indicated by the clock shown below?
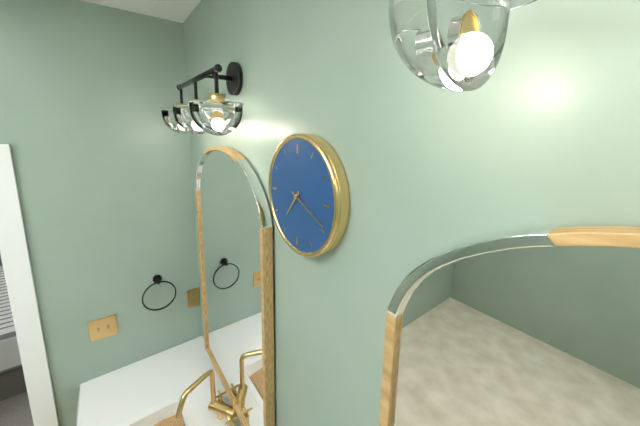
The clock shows h=7 m=19
